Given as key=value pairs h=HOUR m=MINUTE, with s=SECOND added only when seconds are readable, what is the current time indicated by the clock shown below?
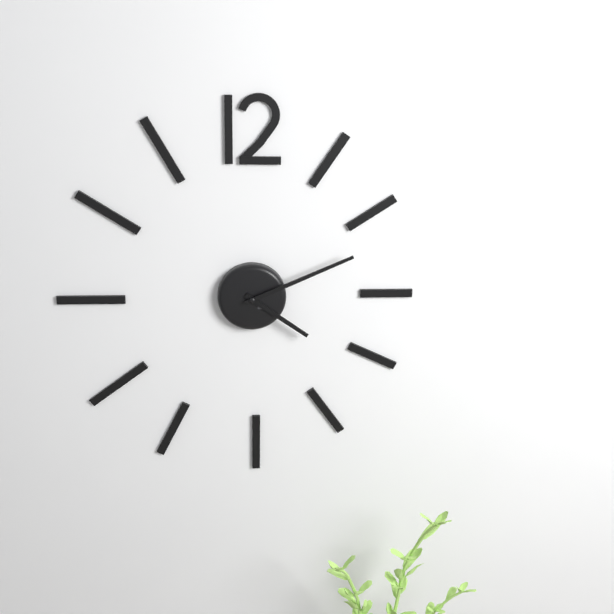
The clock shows h=4 m=11
